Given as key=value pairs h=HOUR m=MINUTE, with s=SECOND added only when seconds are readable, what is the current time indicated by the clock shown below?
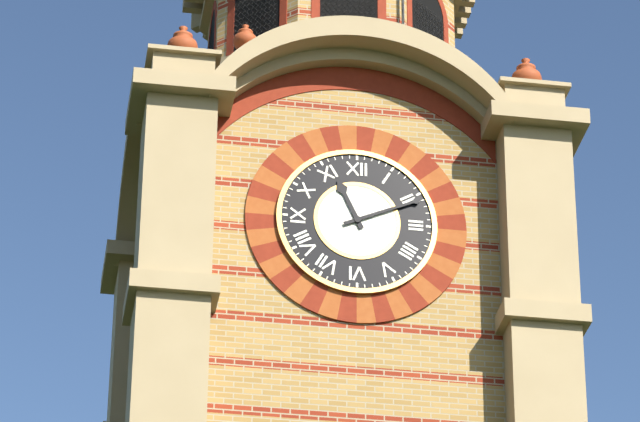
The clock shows h=11 m=11
